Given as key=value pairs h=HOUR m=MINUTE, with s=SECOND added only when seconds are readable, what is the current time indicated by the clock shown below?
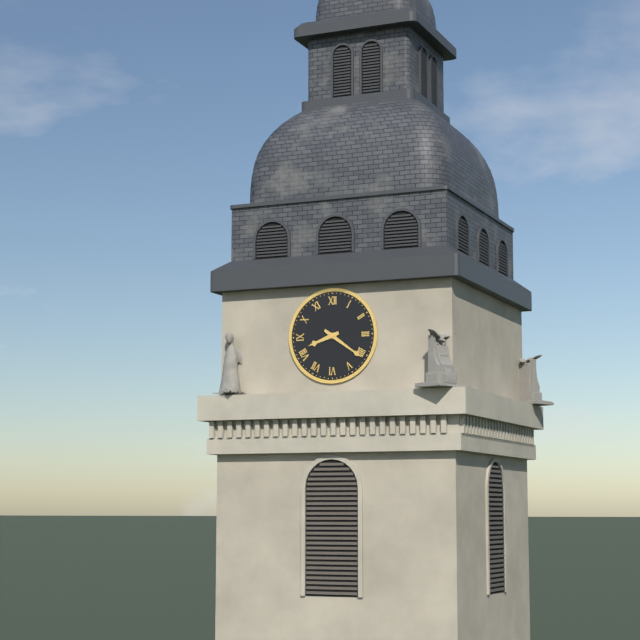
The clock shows h=8 m=21
